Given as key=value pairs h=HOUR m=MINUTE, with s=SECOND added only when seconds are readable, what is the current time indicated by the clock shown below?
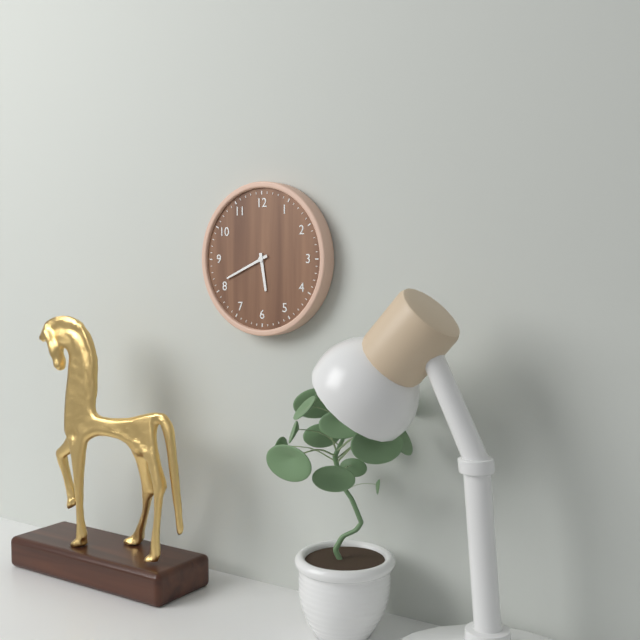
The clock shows h=5 m=41
